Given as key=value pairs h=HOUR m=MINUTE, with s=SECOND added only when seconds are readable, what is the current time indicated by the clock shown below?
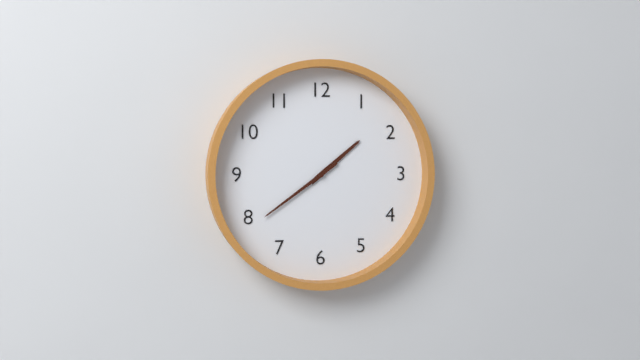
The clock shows h=1 m=39
